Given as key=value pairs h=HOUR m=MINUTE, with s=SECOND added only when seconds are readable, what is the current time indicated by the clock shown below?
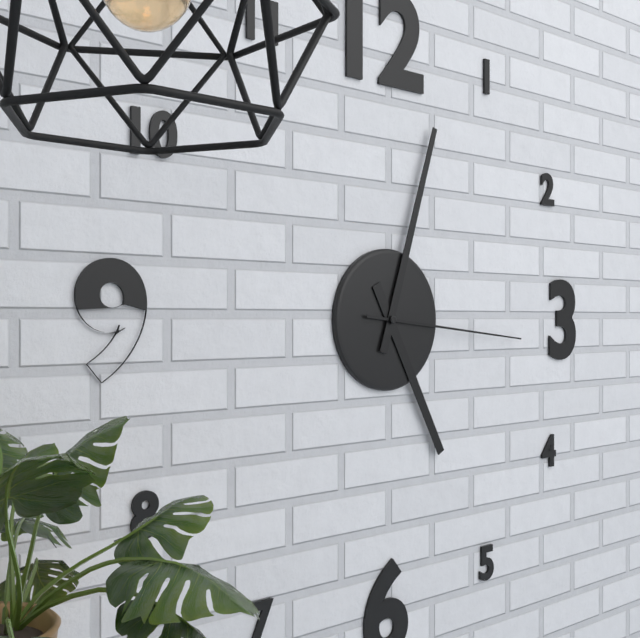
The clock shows h=5 m=3 s=16
